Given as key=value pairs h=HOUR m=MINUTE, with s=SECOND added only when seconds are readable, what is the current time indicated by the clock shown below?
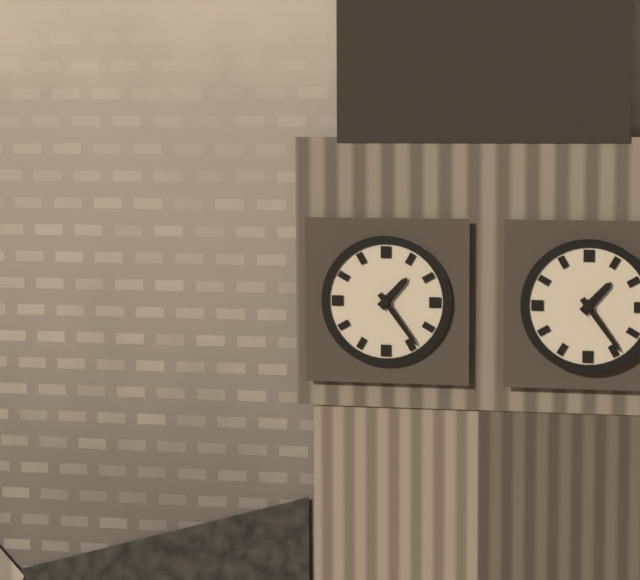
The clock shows h=1 m=24
